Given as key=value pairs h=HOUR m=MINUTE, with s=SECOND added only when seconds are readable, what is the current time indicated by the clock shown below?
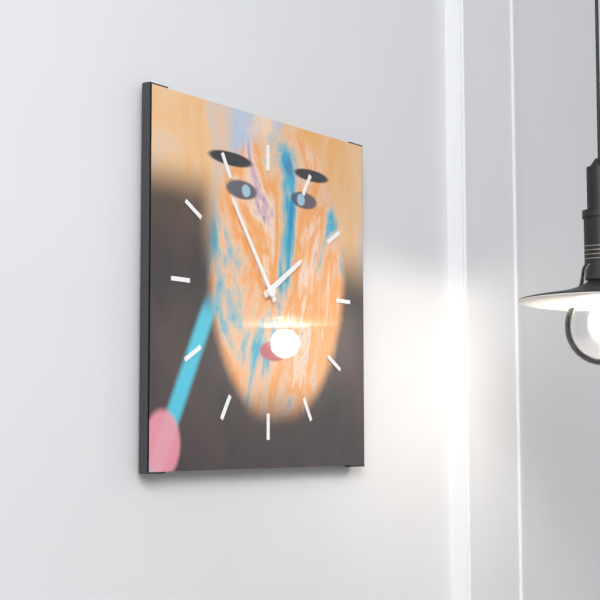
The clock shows h=1 m=54
